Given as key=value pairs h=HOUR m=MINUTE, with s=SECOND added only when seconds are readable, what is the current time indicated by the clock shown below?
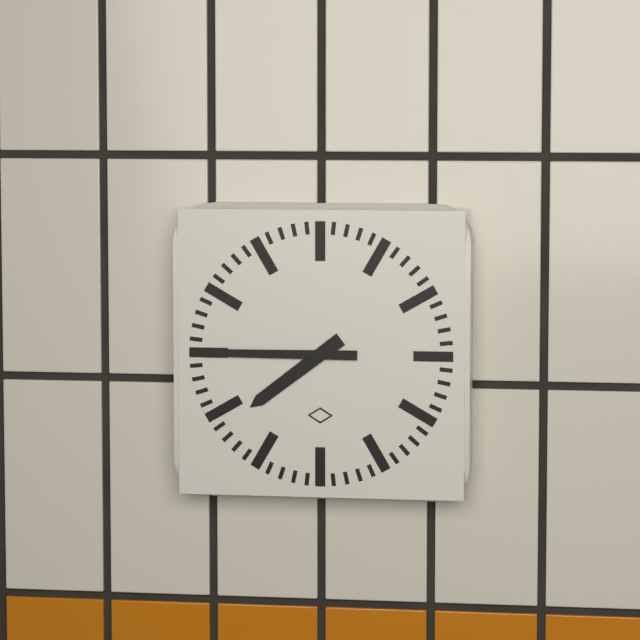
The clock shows h=7 m=45
